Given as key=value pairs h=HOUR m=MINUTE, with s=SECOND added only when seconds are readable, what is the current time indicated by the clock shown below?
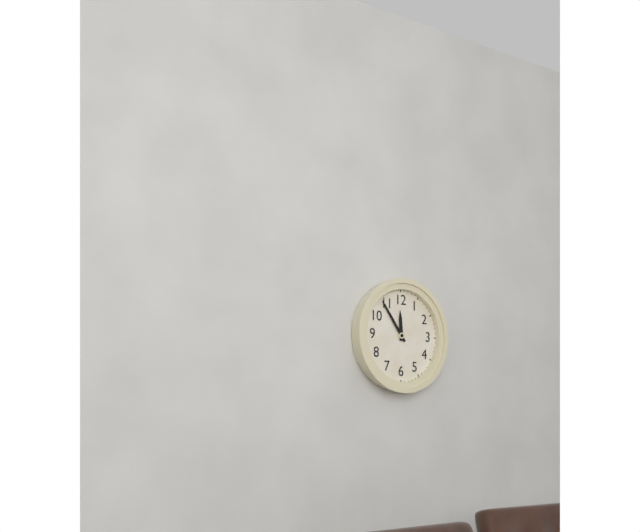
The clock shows h=11 m=54
